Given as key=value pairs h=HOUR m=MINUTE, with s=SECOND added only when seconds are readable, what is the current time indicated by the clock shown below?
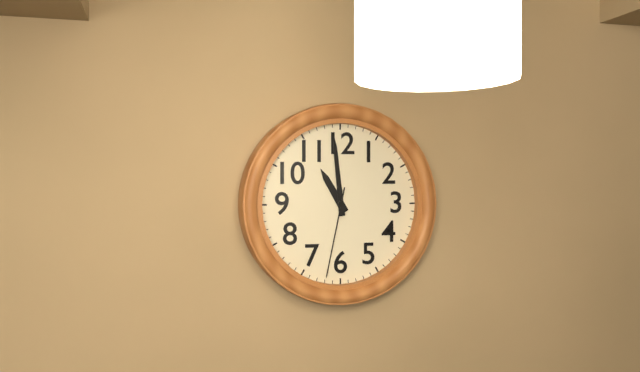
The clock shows h=10 m=59 s=32
